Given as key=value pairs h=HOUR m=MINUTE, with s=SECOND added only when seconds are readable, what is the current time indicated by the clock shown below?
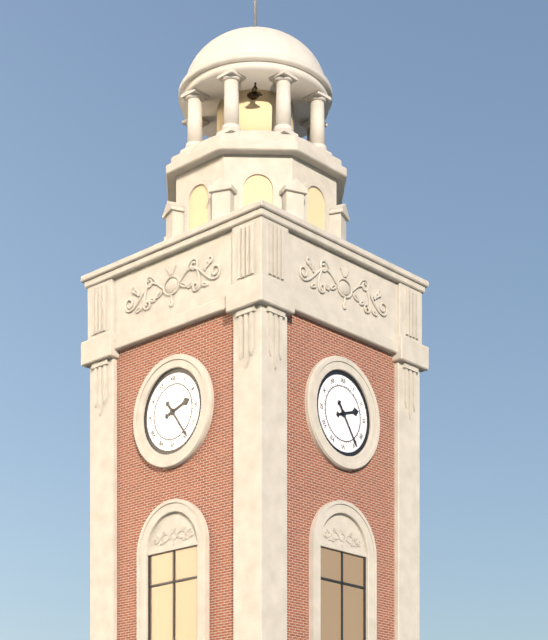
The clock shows h=2 m=24
